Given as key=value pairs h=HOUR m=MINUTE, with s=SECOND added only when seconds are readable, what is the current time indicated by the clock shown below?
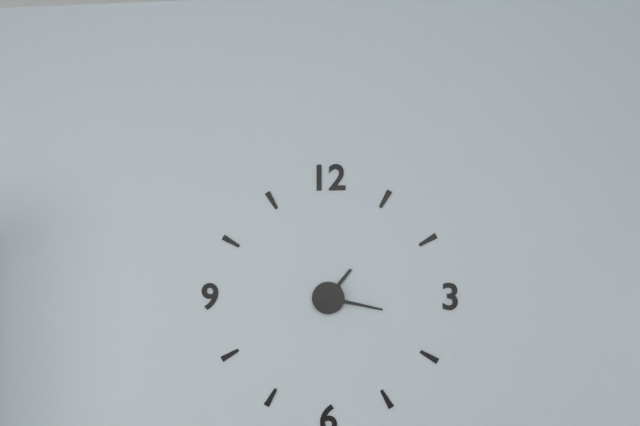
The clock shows h=1 m=17
